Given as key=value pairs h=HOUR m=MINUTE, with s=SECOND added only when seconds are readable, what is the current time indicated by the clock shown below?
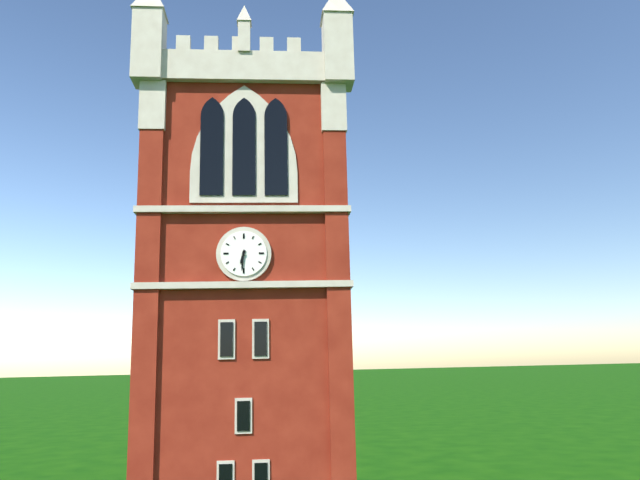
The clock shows h=6 m=31
